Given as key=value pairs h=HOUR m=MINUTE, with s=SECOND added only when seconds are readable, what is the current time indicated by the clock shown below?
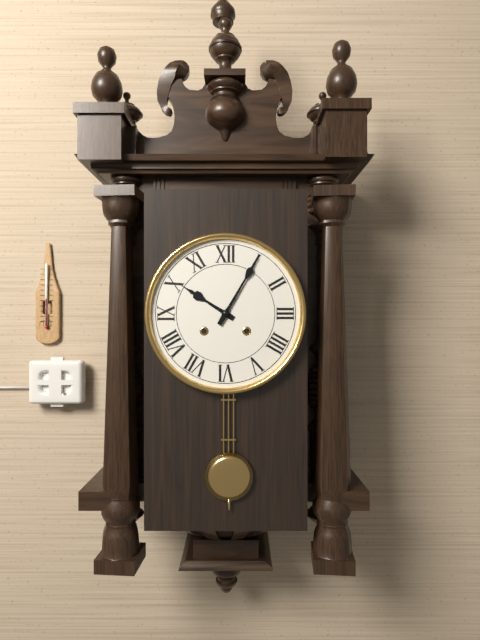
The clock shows h=10 m=5
